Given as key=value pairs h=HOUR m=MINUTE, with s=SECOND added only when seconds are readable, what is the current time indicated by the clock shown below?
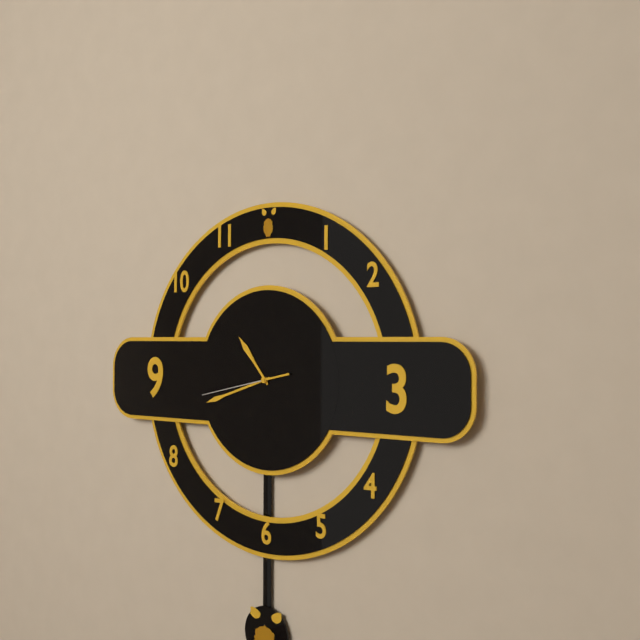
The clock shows h=10 m=42 s=43
